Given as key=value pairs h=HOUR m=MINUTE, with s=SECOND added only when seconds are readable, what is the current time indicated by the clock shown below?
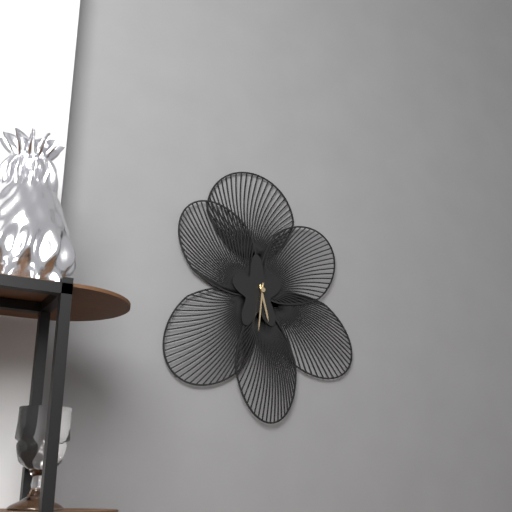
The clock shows h=5 m=31
